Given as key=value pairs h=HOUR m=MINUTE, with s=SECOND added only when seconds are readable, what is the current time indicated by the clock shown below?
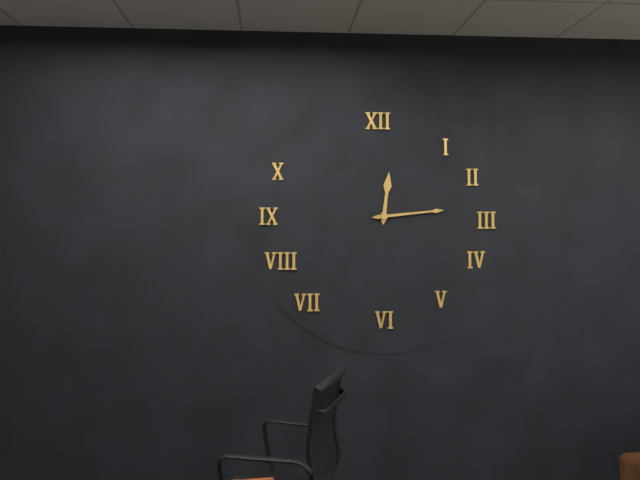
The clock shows h=12 m=14
